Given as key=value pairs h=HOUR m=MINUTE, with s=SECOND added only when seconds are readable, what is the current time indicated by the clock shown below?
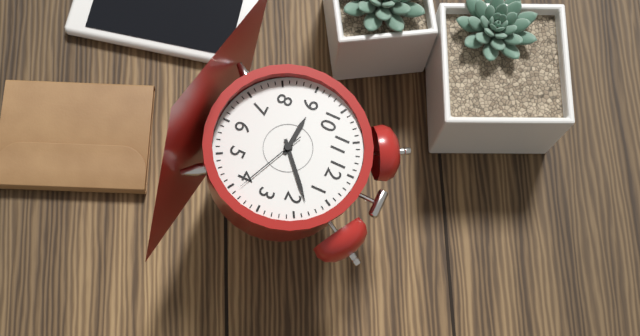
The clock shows h=9 m=8 s=19
